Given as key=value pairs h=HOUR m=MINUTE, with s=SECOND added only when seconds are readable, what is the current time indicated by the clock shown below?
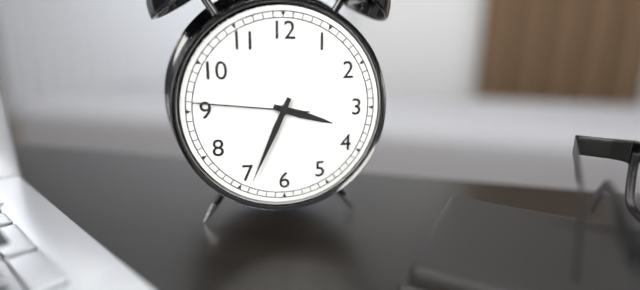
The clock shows h=3 m=34 s=46
